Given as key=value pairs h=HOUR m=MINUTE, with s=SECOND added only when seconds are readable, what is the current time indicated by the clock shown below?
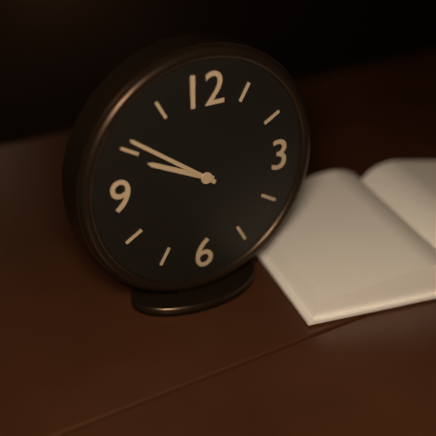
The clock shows h=9 m=51
